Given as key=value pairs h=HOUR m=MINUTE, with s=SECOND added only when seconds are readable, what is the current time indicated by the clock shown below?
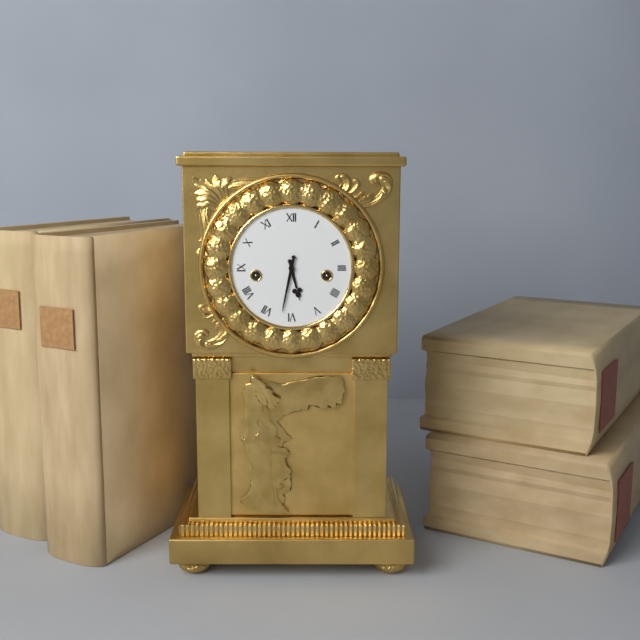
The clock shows h=5 m=32
